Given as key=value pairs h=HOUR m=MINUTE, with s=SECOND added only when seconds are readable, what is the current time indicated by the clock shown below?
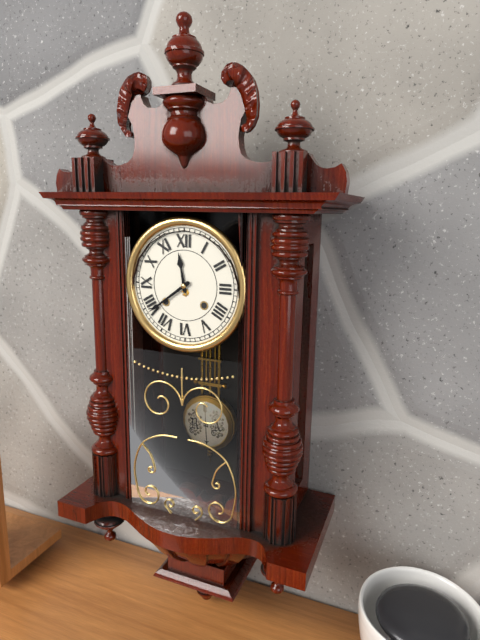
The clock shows h=11 m=39
